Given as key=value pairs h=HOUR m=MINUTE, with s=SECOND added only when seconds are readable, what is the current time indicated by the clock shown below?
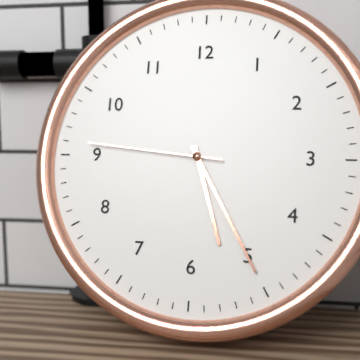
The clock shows h=5 m=25 s=46
